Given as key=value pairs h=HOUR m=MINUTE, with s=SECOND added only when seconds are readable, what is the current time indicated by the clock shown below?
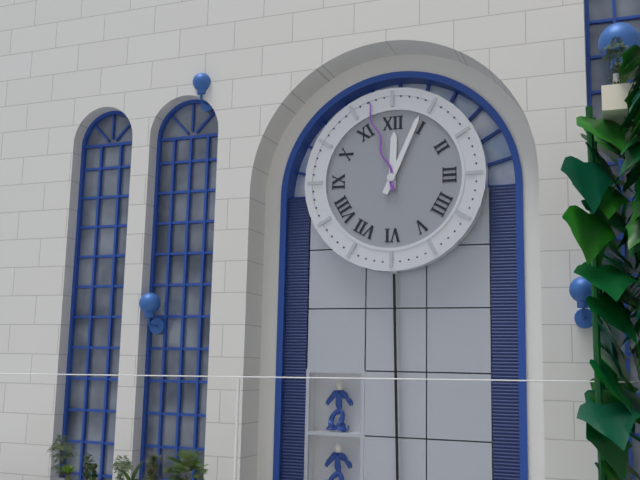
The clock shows h=12 m=4 s=57
